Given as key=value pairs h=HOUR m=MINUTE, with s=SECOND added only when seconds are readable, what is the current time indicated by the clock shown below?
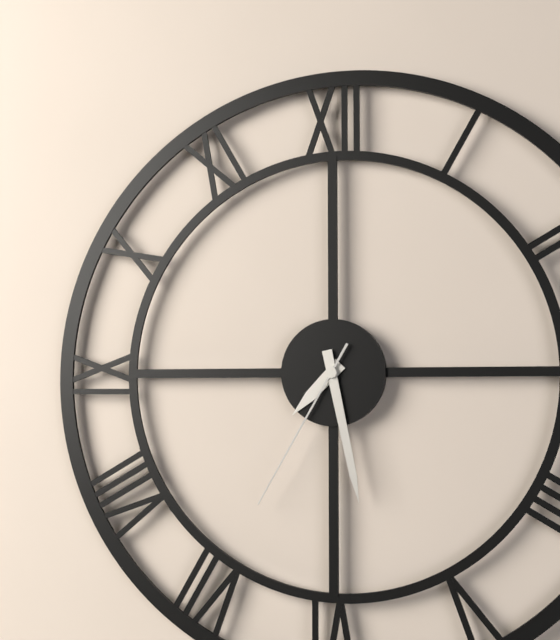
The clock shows h=7 m=28 s=35
